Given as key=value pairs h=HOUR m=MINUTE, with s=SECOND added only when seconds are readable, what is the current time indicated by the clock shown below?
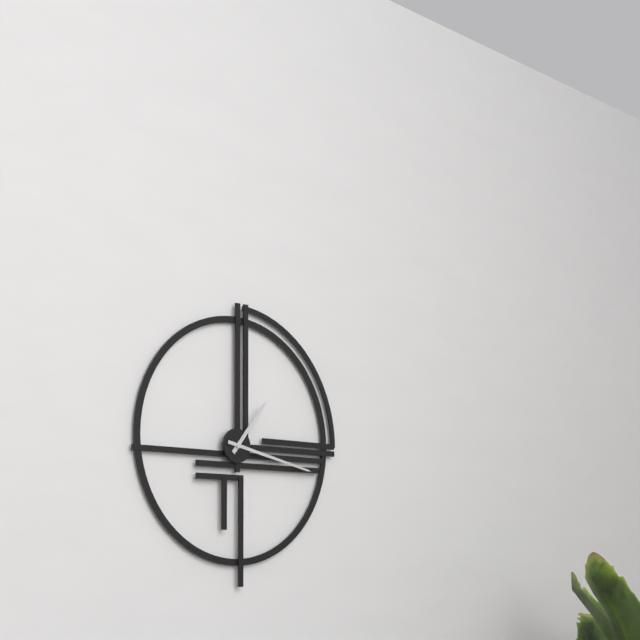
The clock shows h=1 m=17
